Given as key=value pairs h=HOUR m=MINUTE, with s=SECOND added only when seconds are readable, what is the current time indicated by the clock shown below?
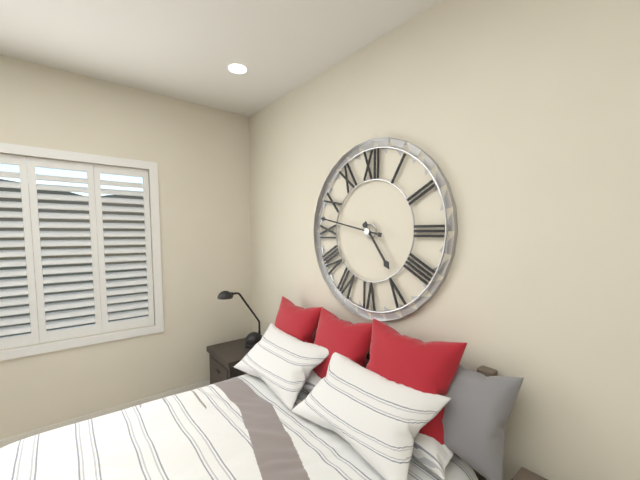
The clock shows h=4 m=47
